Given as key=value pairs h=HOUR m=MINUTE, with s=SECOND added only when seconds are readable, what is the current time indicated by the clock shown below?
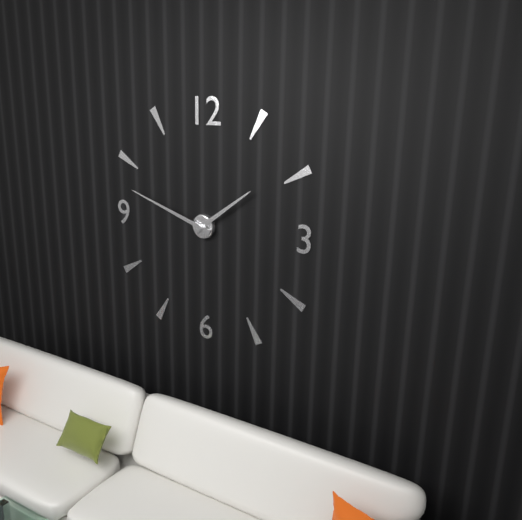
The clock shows h=1 m=48
